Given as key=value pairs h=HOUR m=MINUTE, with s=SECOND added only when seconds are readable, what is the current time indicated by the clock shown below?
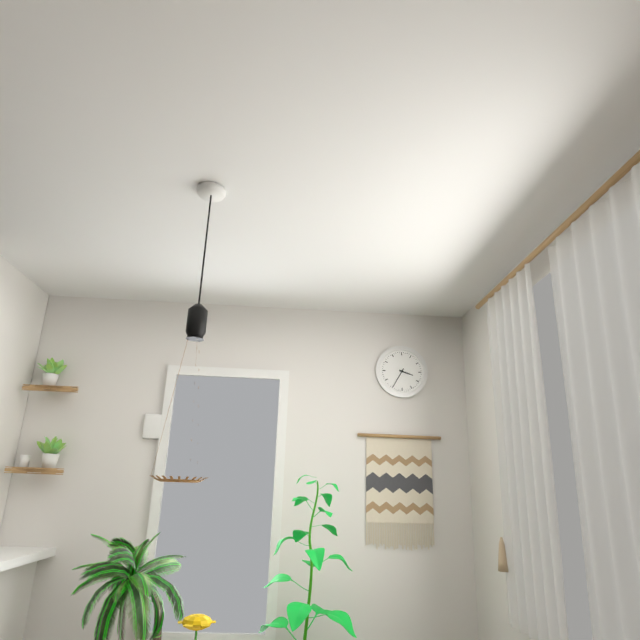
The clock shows h=3 m=35
